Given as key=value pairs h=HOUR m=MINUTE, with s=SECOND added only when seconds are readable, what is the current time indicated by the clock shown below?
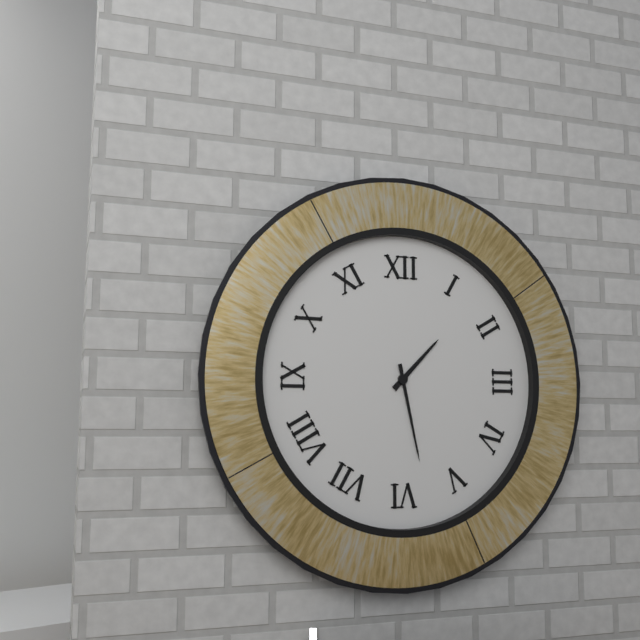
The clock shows h=1 m=28
